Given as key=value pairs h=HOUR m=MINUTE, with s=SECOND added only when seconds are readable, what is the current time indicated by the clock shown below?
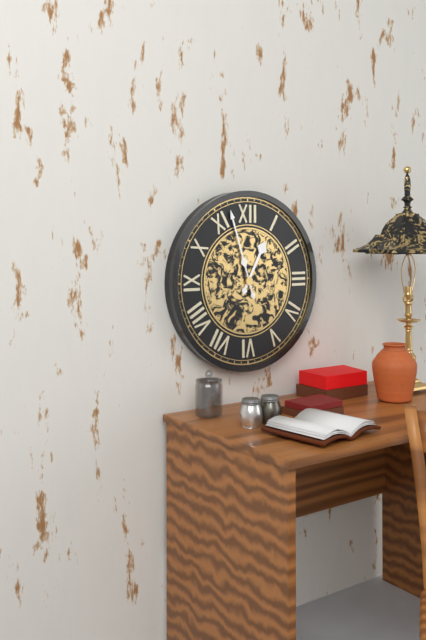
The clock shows h=12 m=57
